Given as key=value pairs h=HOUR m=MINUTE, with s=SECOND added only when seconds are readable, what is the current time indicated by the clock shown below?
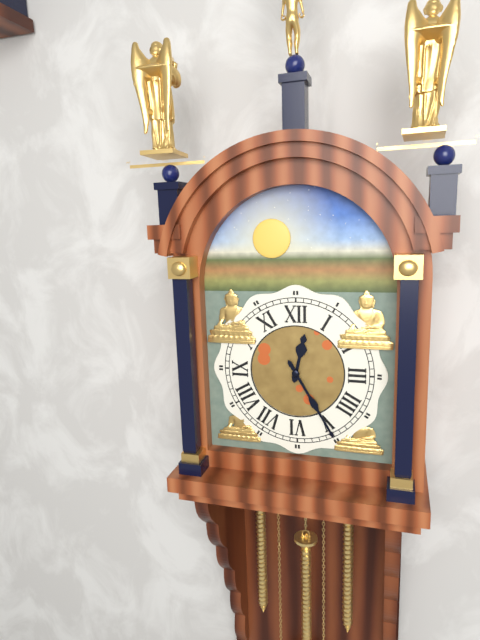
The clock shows h=12 m=25
